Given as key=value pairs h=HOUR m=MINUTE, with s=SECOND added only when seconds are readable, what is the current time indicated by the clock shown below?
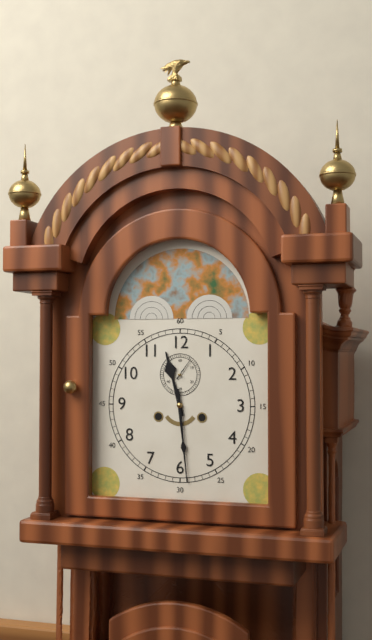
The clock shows h=11 m=29
